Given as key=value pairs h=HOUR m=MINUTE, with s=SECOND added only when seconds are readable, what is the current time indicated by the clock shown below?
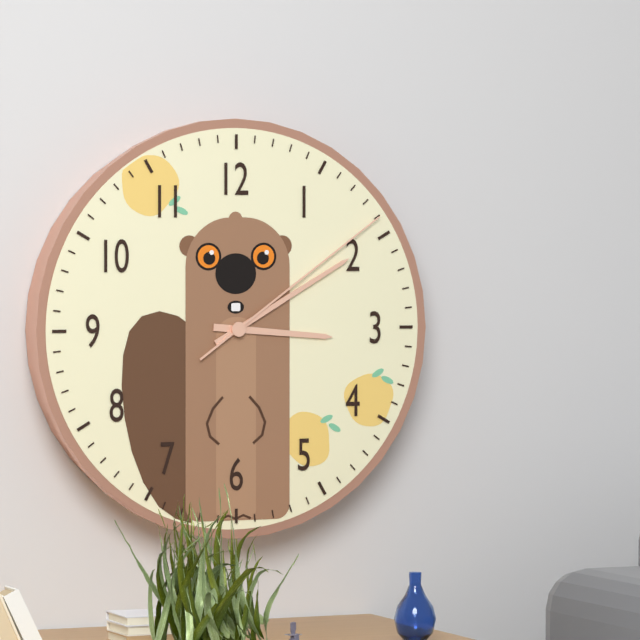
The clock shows h=3 m=10 s=9
